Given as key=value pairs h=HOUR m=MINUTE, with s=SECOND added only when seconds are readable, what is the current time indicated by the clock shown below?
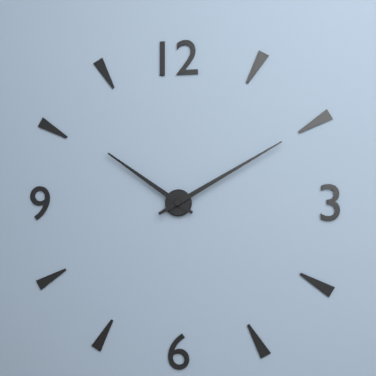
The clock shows h=10 m=10
